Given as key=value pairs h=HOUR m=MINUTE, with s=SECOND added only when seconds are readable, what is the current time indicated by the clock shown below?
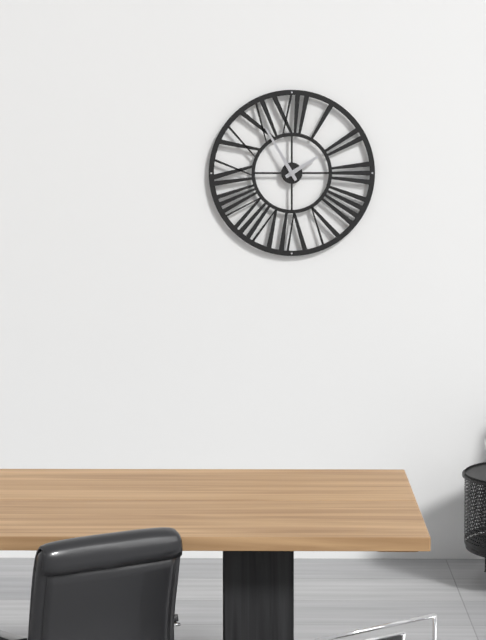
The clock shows h=1 m=55
